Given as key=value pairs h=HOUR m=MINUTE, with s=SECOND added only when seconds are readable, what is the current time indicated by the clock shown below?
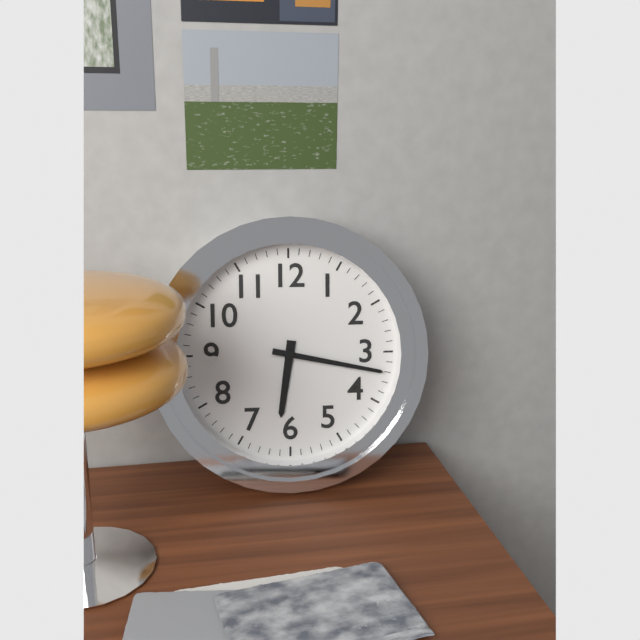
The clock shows h=6 m=17
